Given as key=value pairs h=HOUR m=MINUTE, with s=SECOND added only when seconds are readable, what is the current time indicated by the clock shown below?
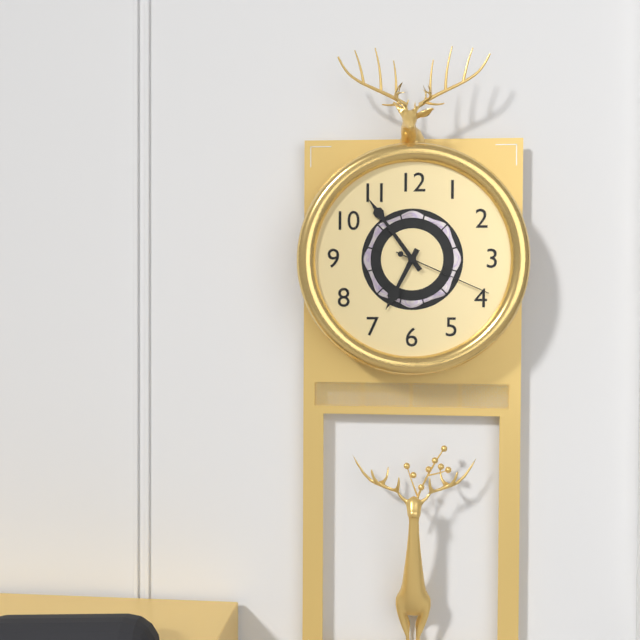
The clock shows h=6 m=54 s=19
